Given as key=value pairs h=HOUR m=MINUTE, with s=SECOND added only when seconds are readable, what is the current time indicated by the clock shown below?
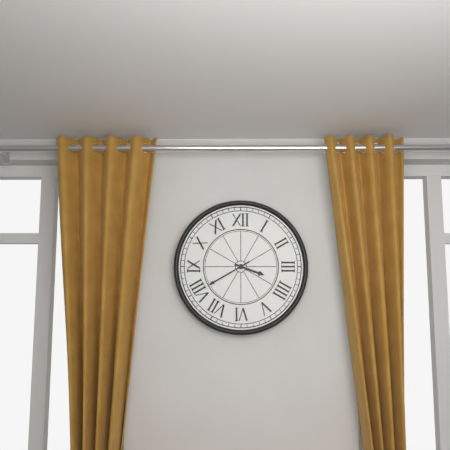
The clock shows h=3 m=40
